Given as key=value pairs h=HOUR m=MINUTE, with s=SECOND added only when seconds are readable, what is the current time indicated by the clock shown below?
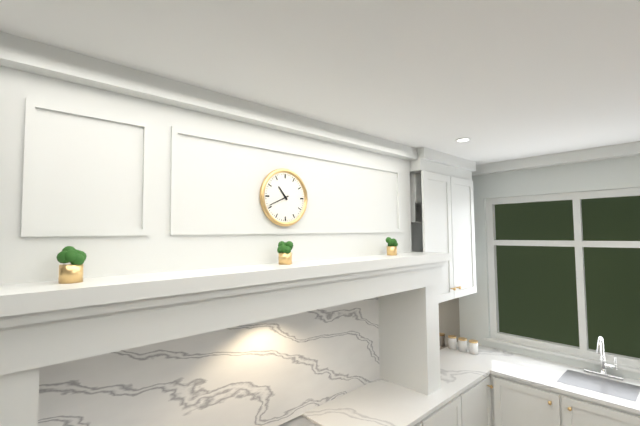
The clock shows h=10 m=41
